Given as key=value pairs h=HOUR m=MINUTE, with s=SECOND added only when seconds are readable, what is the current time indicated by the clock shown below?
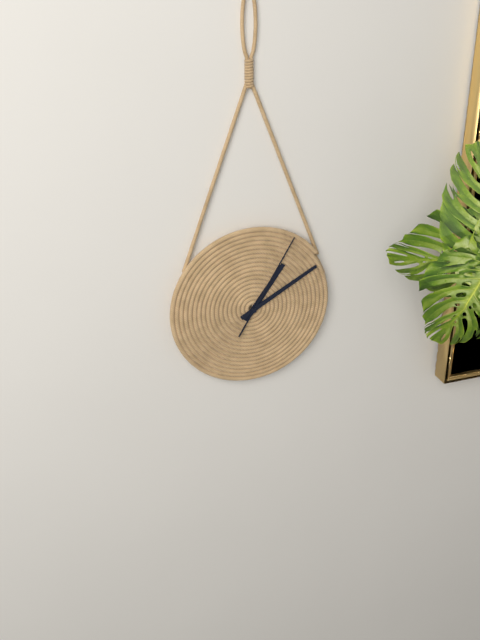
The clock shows h=1 m=10 s=5
